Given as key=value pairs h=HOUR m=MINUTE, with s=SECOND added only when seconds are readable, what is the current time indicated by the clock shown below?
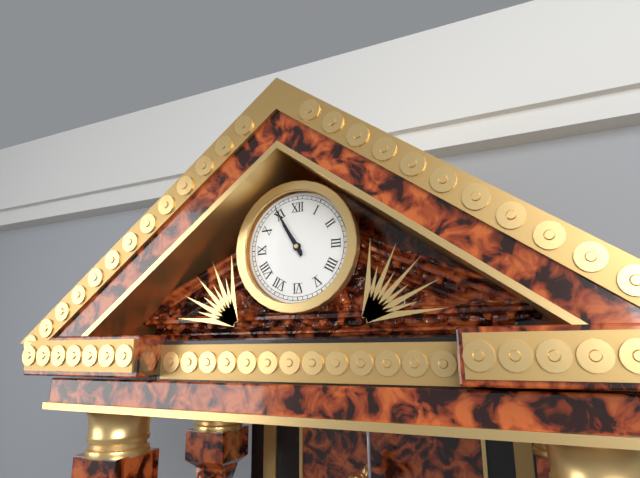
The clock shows h=10 m=55
